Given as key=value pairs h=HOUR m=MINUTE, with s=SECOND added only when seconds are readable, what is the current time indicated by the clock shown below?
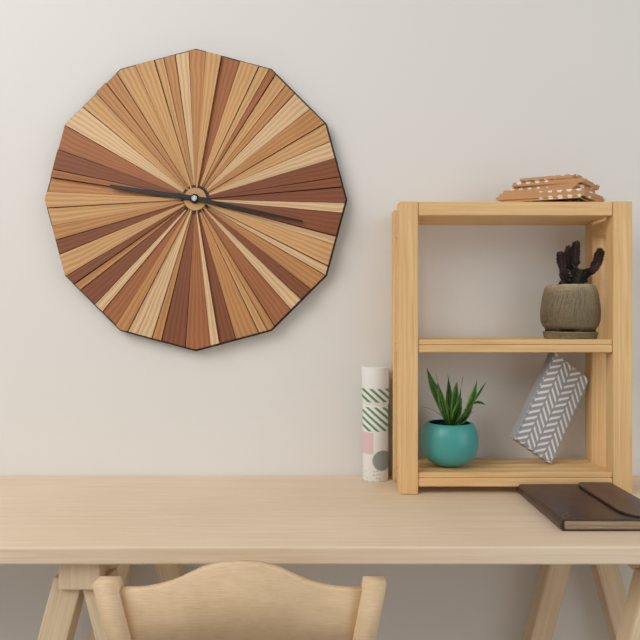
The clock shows h=9 m=17
